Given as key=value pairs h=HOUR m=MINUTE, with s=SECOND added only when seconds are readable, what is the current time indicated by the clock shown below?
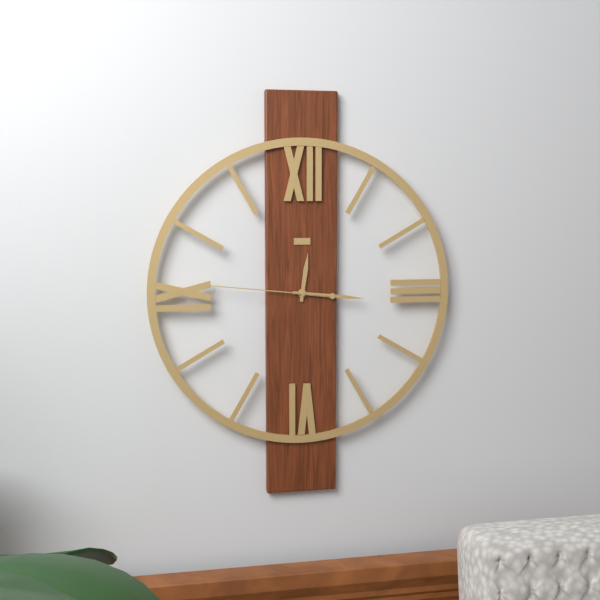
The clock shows h=12 m=16 s=46
